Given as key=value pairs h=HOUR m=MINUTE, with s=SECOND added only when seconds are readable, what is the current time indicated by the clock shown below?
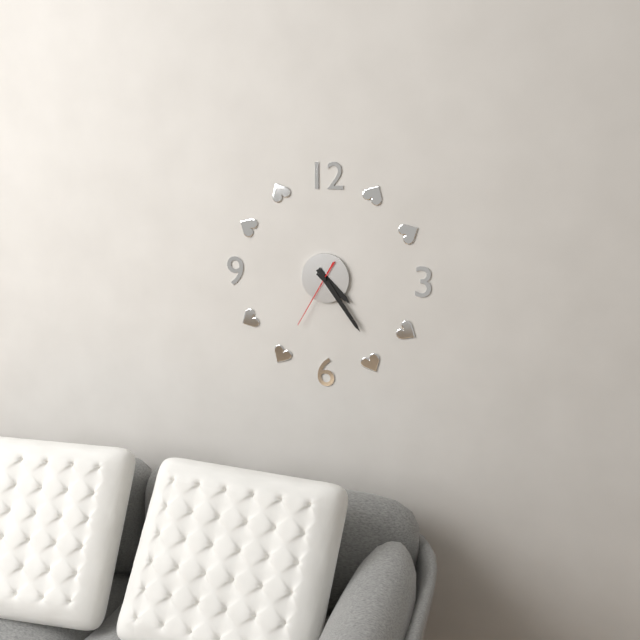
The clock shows h=4 m=24 s=35
